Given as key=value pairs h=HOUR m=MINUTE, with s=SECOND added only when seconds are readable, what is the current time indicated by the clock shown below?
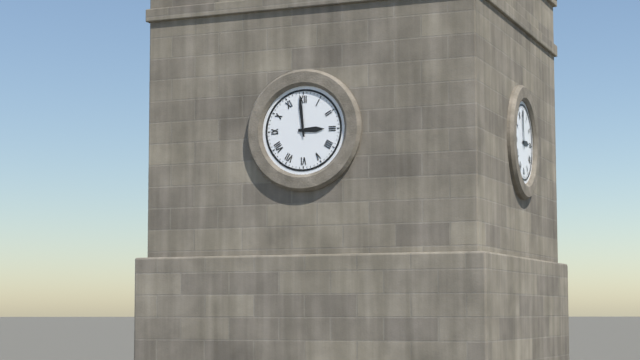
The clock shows h=2 m=59
